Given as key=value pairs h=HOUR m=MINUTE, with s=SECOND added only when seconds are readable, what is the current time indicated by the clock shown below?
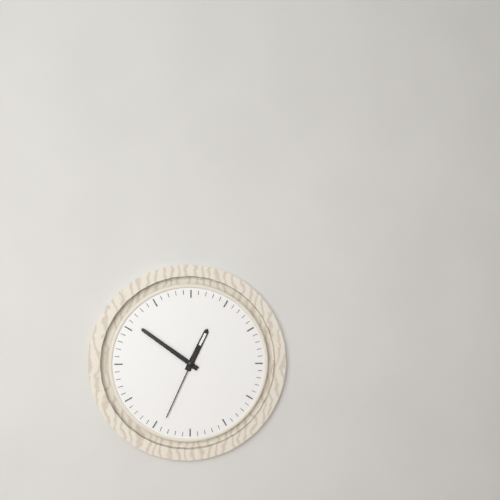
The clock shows h=12 m=51 s=34
